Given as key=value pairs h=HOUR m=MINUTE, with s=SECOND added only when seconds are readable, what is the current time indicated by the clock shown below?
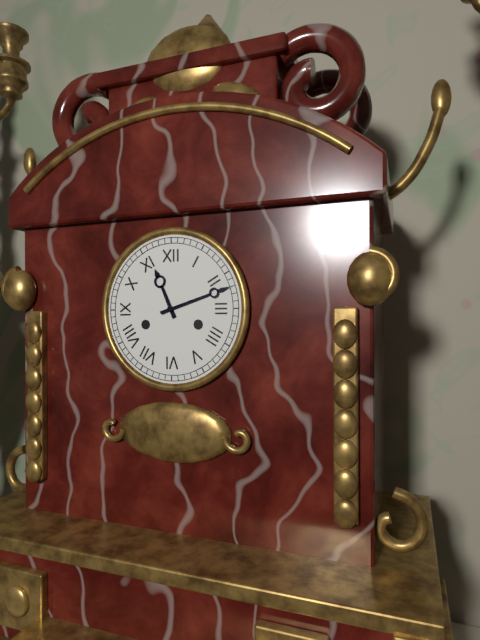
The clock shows h=11 m=12
